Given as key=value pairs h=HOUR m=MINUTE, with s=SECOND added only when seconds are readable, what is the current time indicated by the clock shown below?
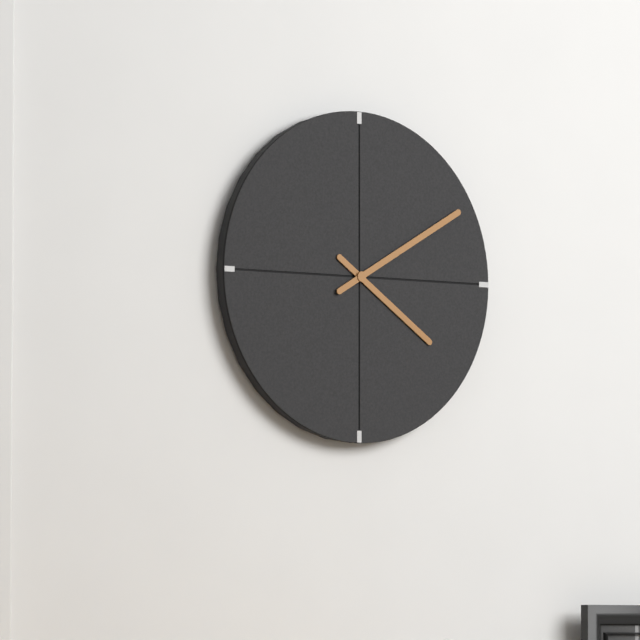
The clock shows h=4 m=10
